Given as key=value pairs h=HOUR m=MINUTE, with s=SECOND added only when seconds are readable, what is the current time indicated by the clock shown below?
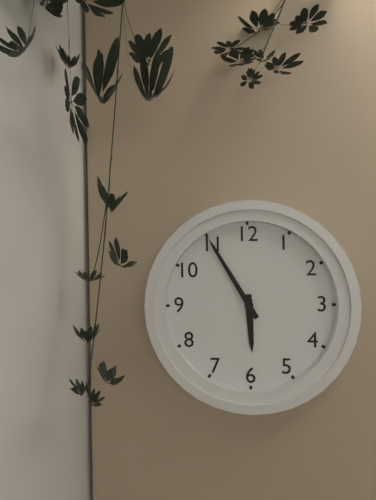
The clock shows h=5 m=55
